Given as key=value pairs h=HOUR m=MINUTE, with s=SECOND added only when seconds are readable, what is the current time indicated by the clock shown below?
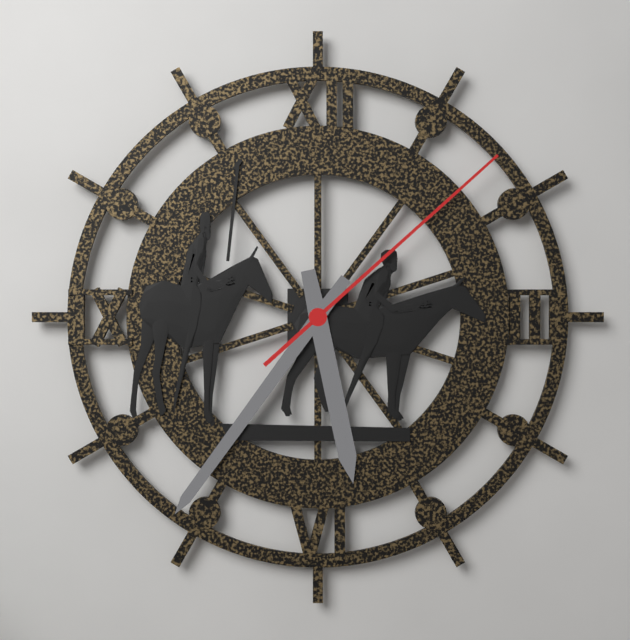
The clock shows h=5 m=36 s=8
